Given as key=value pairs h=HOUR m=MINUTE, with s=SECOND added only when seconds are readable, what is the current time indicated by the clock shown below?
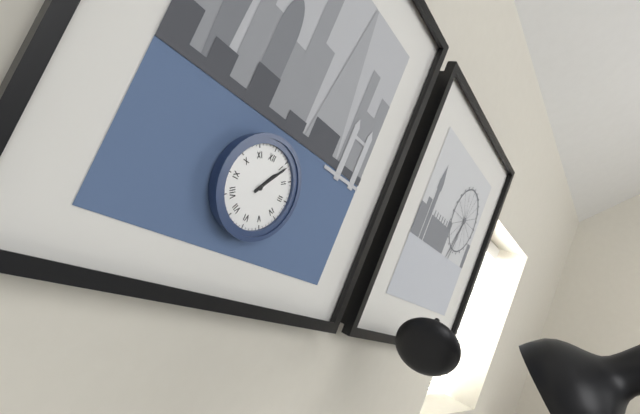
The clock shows h=1 m=6
